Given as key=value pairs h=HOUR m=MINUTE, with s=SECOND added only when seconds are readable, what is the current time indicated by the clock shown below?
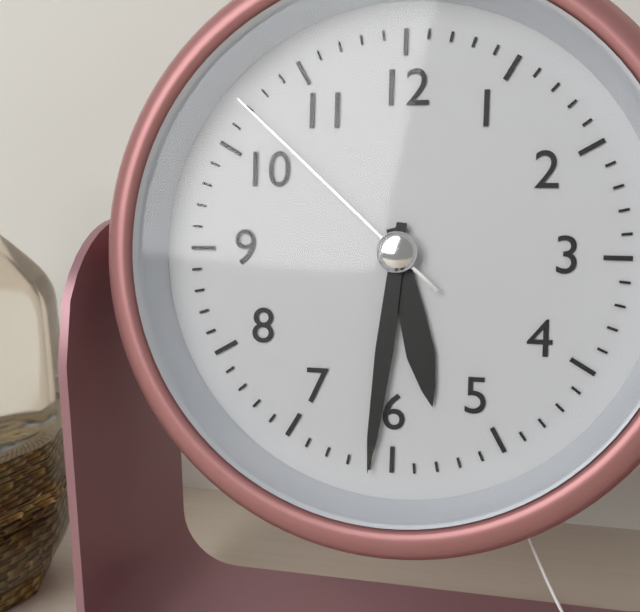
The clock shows h=5 m=31 s=52
